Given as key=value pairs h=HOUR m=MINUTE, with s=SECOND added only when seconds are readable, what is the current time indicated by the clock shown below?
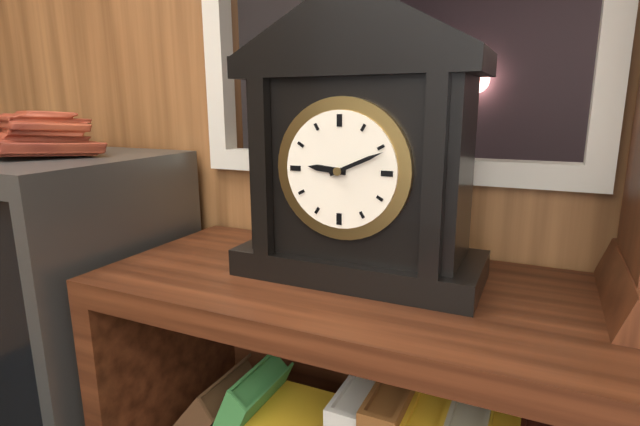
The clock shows h=9 m=11
